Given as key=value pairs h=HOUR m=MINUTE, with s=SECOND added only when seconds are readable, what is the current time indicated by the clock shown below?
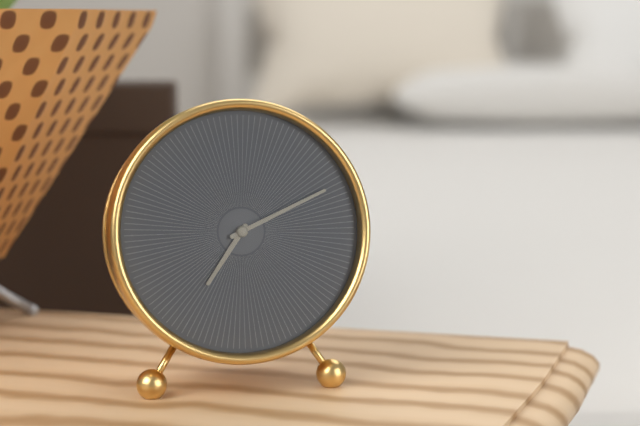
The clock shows h=7 m=11
